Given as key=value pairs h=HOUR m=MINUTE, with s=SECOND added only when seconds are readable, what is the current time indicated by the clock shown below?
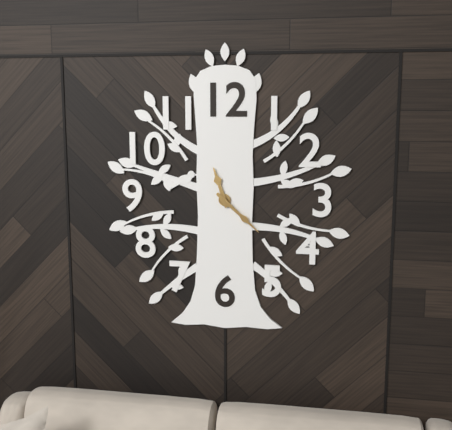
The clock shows h=11 m=22
